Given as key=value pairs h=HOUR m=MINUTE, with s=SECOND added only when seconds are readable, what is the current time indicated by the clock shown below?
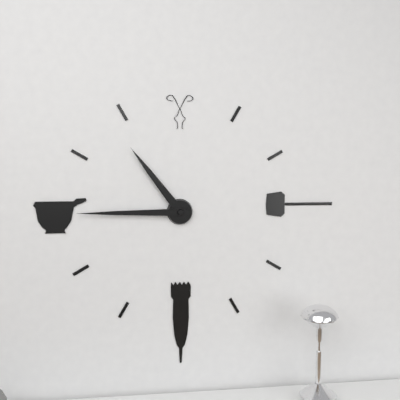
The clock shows h=10 m=45
